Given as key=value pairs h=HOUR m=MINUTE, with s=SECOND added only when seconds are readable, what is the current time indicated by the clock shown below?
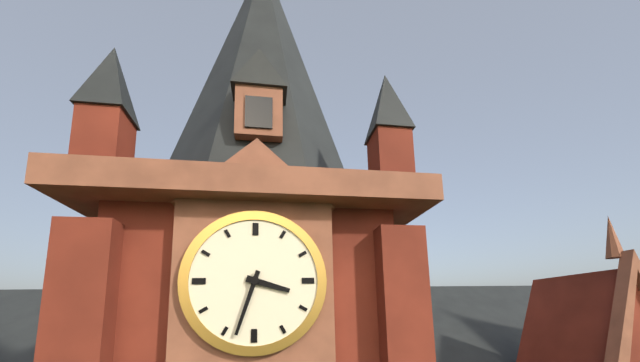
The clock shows h=3 m=33
